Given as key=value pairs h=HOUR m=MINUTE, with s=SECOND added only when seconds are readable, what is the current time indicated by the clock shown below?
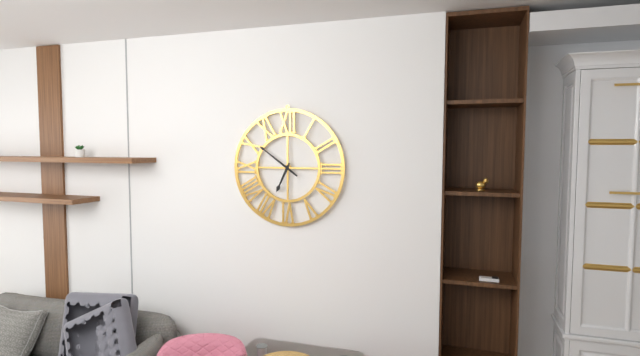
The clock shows h=6 m=51
